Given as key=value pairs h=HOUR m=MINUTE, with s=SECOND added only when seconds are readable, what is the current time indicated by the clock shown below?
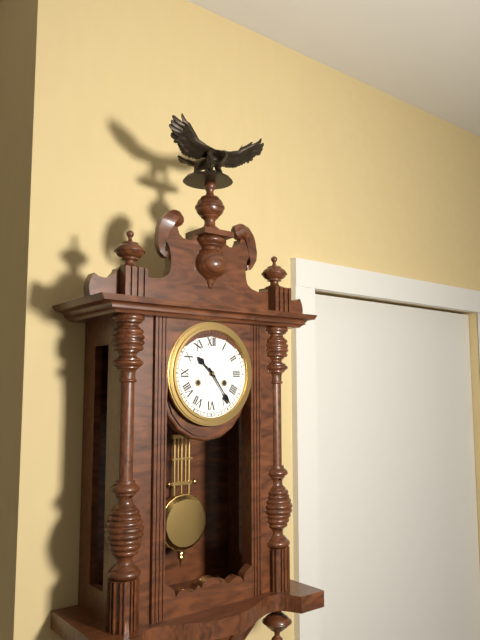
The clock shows h=10 m=24
